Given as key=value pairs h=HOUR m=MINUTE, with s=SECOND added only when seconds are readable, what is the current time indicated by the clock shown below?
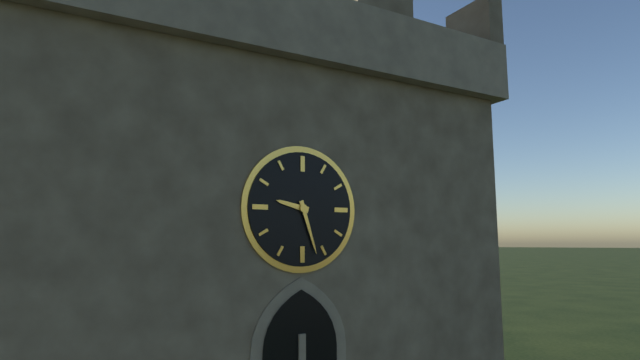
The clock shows h=9 m=27
